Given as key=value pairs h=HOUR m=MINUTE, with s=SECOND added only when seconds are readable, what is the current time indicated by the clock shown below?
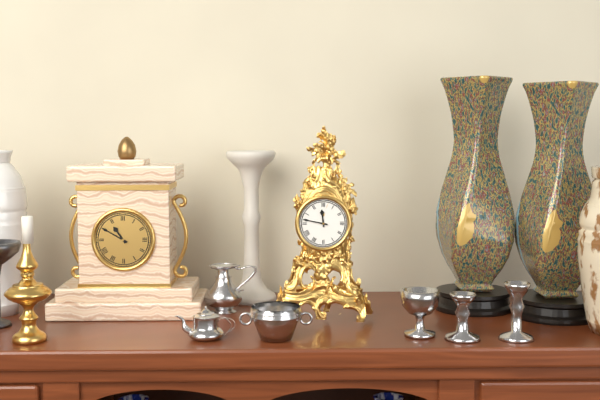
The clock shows h=11 m=47
